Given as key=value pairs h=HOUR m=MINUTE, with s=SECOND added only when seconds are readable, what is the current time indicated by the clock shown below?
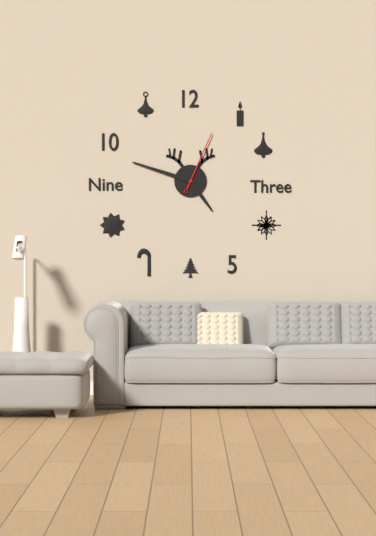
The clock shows h=4 m=48 s=4
